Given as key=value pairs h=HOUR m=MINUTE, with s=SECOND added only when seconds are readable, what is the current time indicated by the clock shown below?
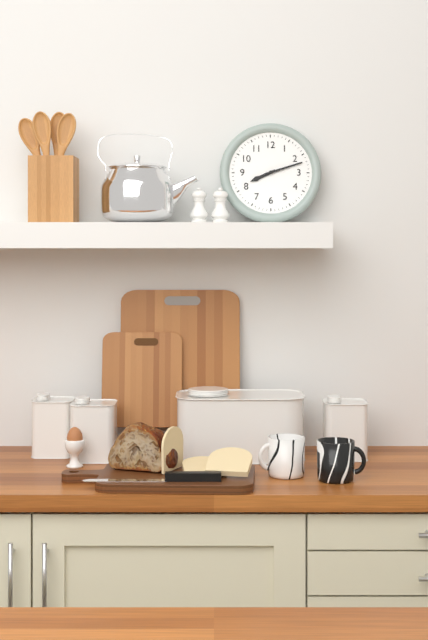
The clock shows h=8 m=12
